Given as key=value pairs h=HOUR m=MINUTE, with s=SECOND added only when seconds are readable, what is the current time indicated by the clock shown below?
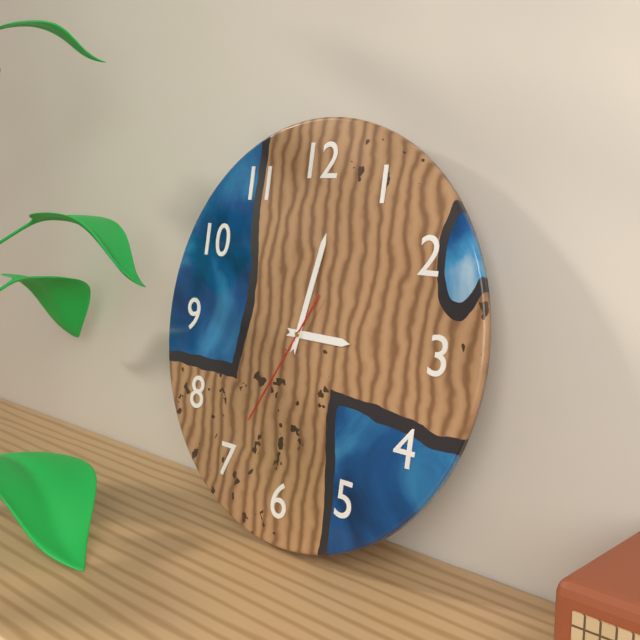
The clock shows h=3 m=2 s=35
